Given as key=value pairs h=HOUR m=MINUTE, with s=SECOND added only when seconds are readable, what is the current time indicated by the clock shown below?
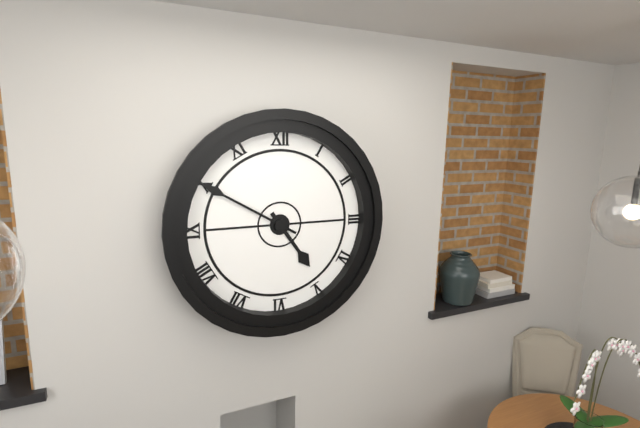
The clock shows h=4 m=50
